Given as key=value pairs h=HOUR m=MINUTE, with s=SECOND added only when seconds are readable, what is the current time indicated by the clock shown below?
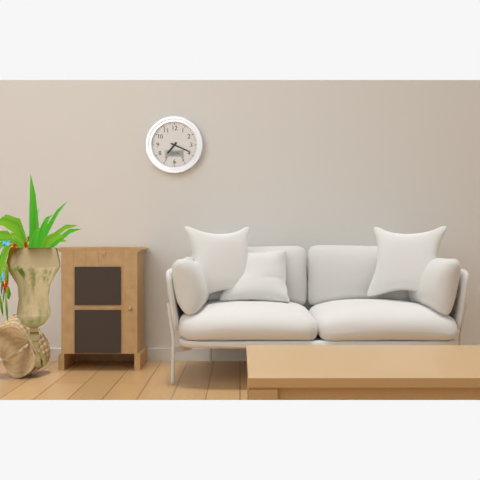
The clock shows h=7 m=19
